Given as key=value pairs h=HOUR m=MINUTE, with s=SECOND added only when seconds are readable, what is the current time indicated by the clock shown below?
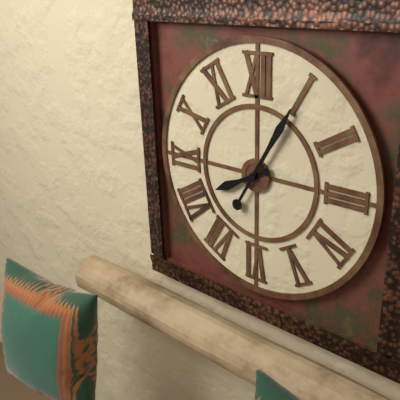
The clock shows h=8 m=5
